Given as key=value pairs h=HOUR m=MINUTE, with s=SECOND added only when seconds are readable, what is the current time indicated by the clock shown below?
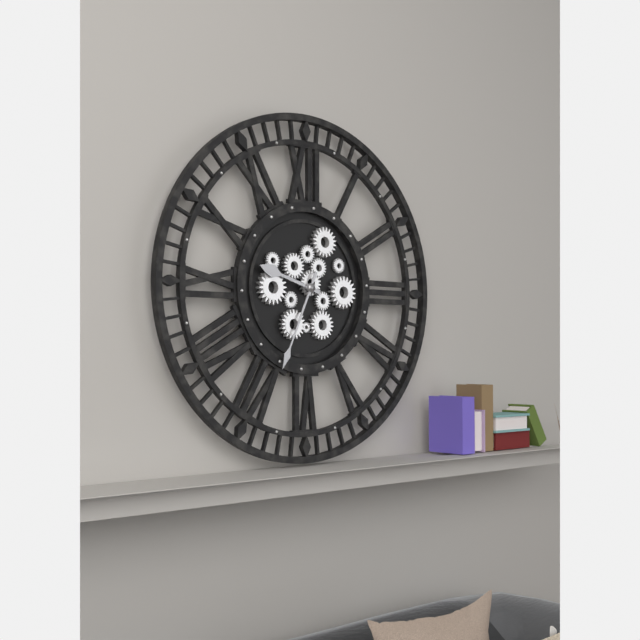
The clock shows h=9 m=34
